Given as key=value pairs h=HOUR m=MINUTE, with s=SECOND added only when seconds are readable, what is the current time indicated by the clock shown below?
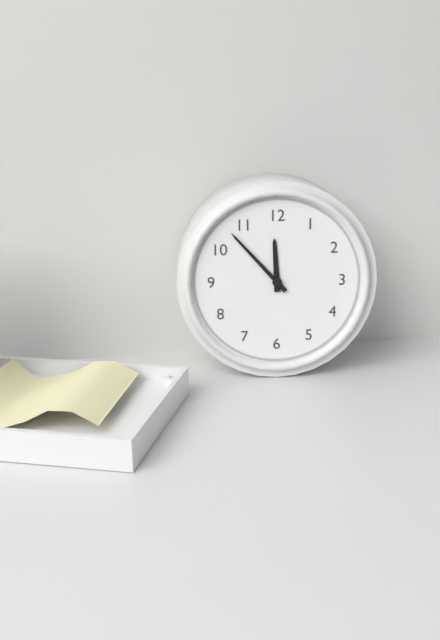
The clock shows h=11 m=53
